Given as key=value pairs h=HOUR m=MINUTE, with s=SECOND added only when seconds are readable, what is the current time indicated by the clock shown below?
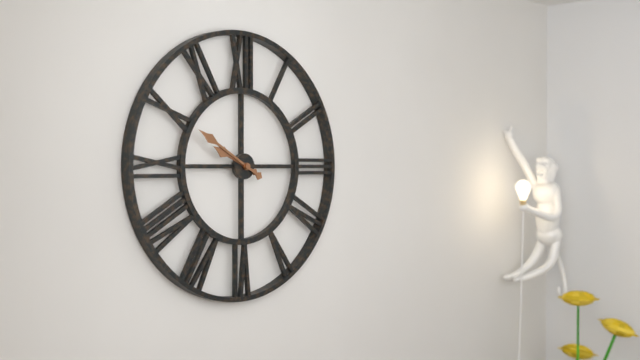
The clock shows h=9 m=50
